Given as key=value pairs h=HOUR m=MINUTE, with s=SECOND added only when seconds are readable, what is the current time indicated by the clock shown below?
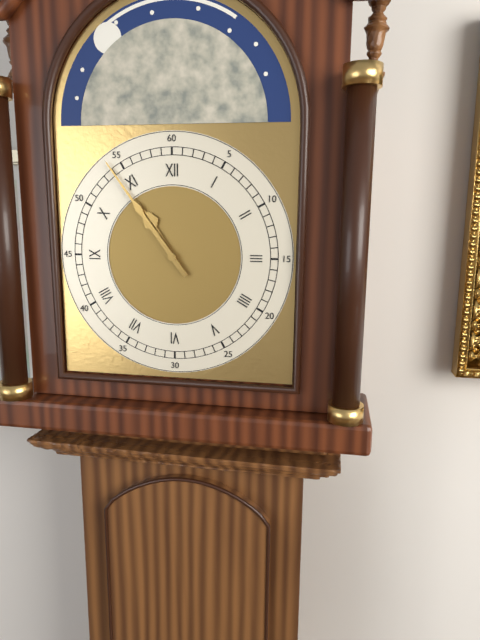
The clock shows h=10 m=54
